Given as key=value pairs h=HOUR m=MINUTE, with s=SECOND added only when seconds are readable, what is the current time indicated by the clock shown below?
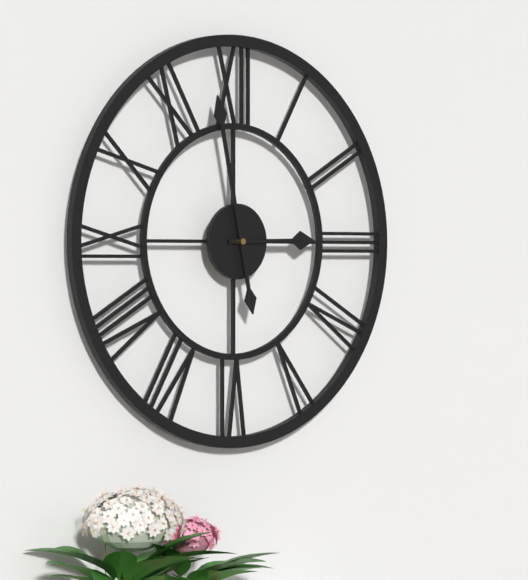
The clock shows h=2 m=58
